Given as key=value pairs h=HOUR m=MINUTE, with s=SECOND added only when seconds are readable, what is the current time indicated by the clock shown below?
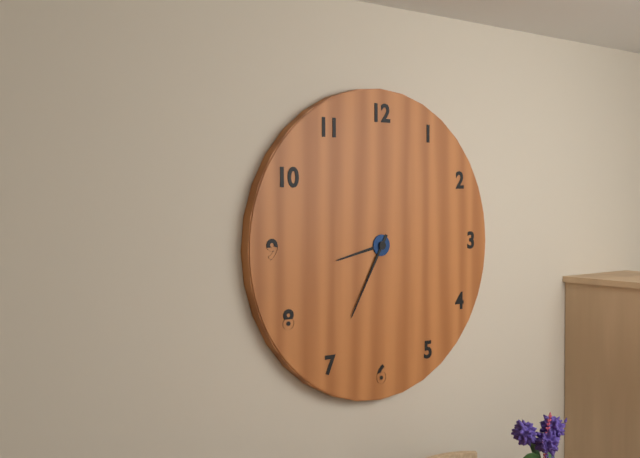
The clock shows h=8 m=35
